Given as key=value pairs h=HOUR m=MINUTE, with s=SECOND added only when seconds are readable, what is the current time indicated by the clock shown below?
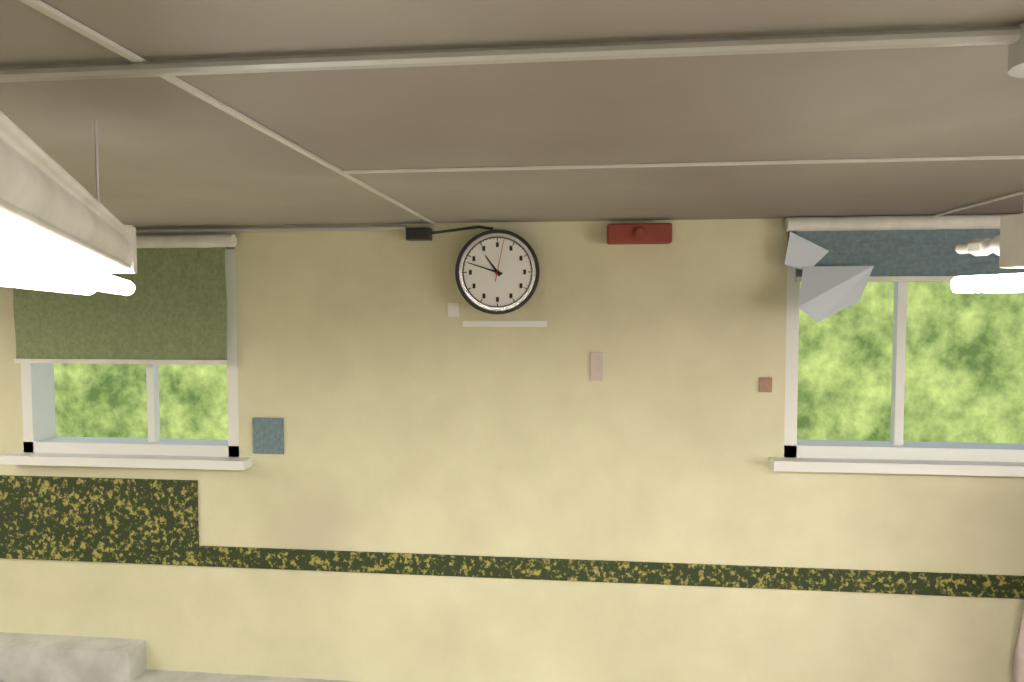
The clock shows h=10 m=48
